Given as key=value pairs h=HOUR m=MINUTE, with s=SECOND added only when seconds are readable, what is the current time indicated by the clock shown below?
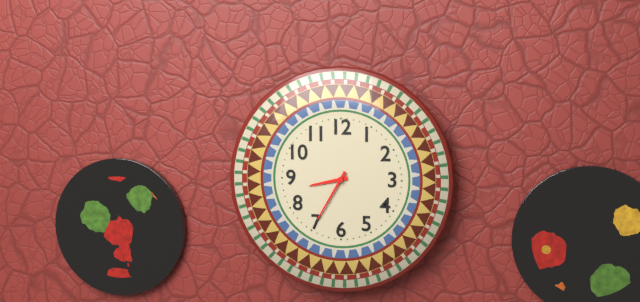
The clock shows h=8 m=35
